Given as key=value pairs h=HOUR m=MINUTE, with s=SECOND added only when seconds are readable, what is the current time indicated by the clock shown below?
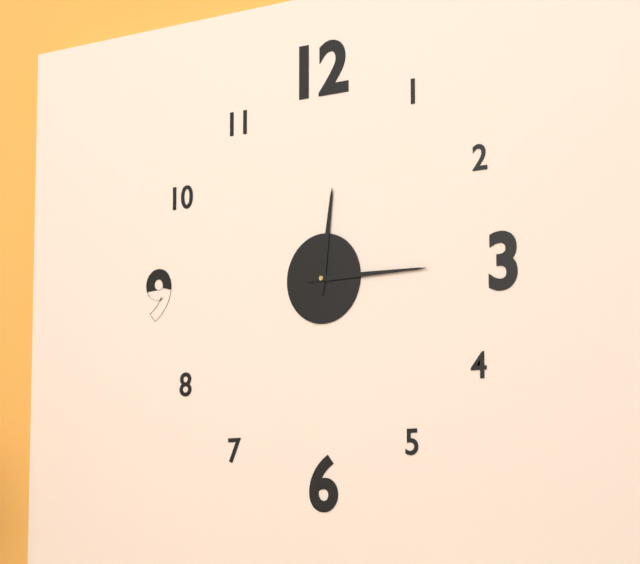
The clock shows h=12 m=15
